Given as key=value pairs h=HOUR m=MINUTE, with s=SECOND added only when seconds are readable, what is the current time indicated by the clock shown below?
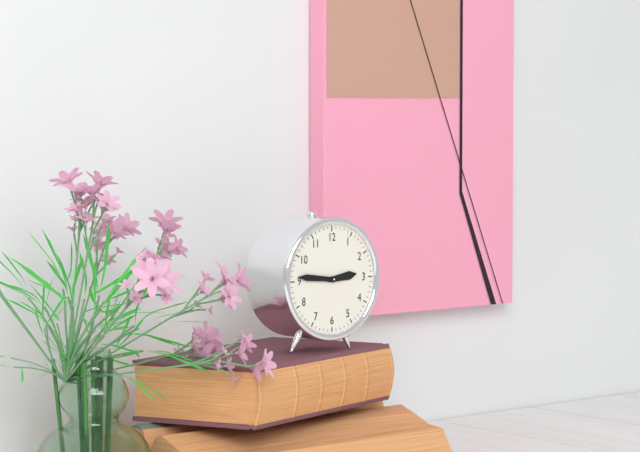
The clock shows h=2 m=46
